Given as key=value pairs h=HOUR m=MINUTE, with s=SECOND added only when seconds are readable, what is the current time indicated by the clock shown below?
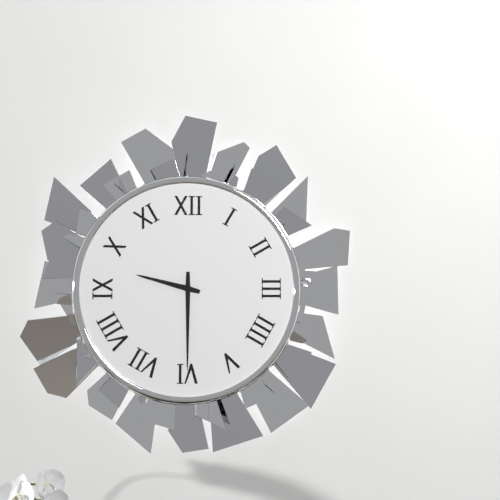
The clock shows h=9 m=30
